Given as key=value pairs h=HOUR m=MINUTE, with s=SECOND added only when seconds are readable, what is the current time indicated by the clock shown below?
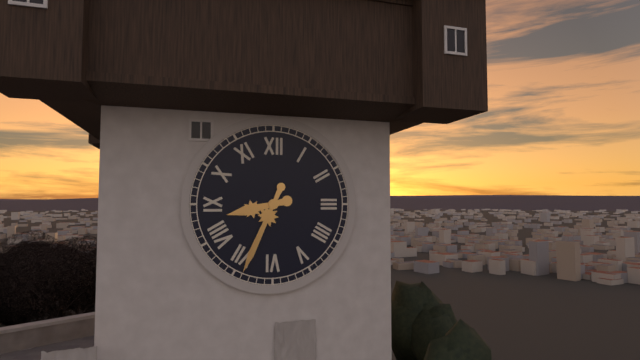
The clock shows h=8 m=34
